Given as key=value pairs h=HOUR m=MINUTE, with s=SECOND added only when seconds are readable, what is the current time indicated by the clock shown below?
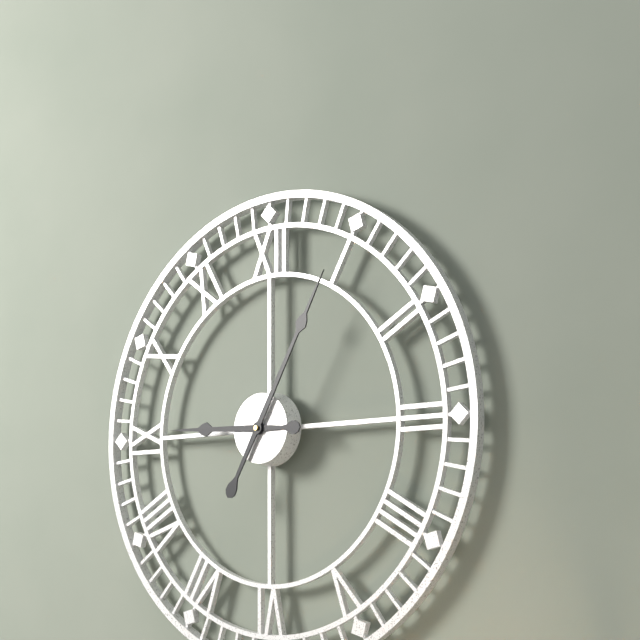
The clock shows h=9 m=5
